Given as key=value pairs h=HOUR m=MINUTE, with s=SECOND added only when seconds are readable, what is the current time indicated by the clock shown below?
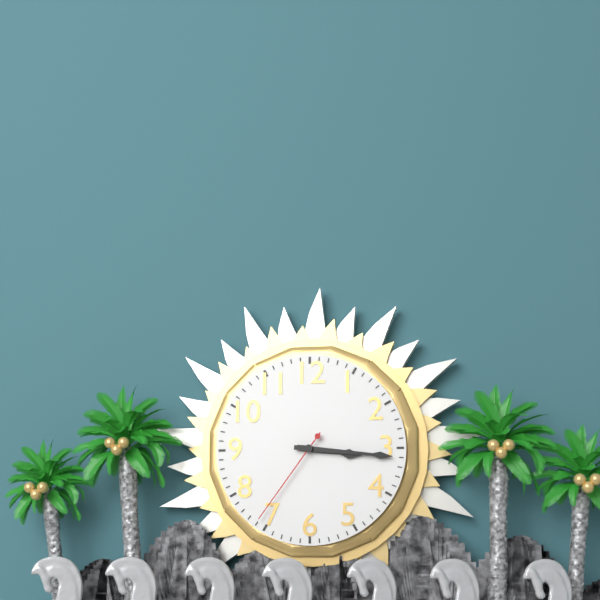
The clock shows h=3 m=16 s=36
